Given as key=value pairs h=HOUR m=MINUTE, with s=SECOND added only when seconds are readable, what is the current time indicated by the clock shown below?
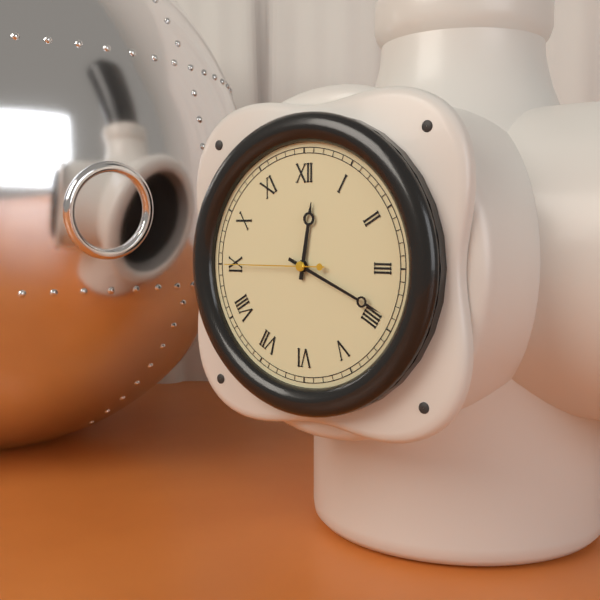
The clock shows h=12 m=19 s=45
